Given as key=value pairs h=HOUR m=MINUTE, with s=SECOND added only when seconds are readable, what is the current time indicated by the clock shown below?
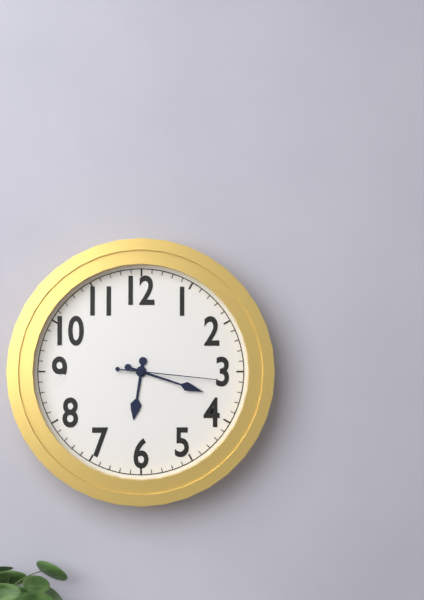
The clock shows h=6 m=18 s=16
